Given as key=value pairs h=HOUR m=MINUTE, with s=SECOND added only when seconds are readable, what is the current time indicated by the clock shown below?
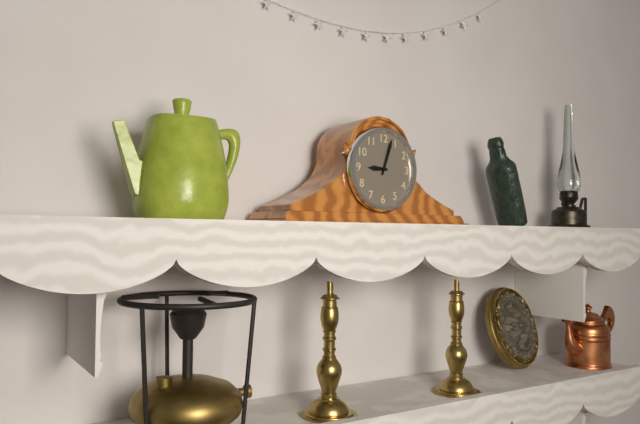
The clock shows h=9 m=3
